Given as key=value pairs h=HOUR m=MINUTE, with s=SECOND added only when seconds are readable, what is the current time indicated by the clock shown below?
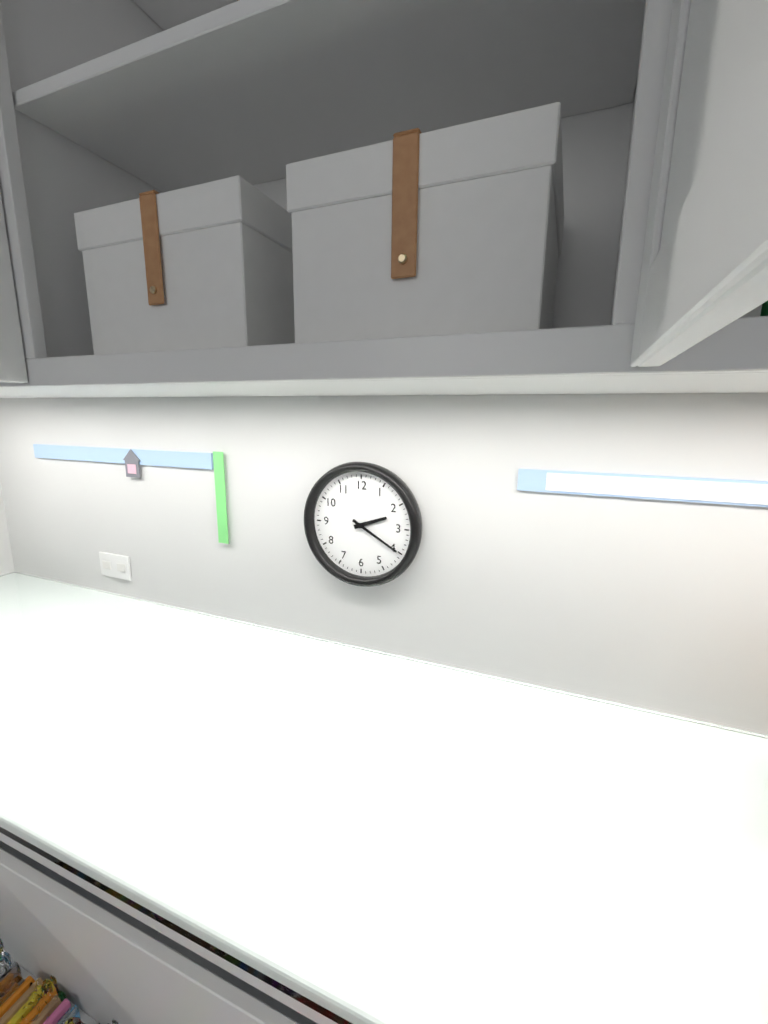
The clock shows h=2 m=20
